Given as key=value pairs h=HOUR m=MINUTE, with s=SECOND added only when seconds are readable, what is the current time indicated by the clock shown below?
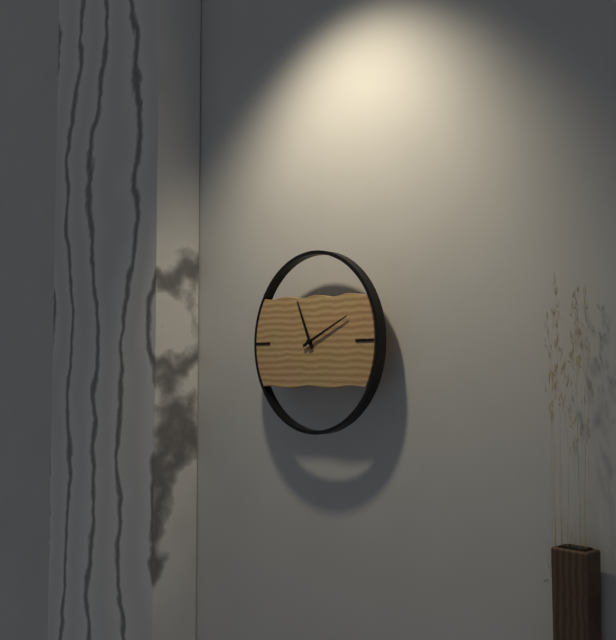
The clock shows h=11 m=11
